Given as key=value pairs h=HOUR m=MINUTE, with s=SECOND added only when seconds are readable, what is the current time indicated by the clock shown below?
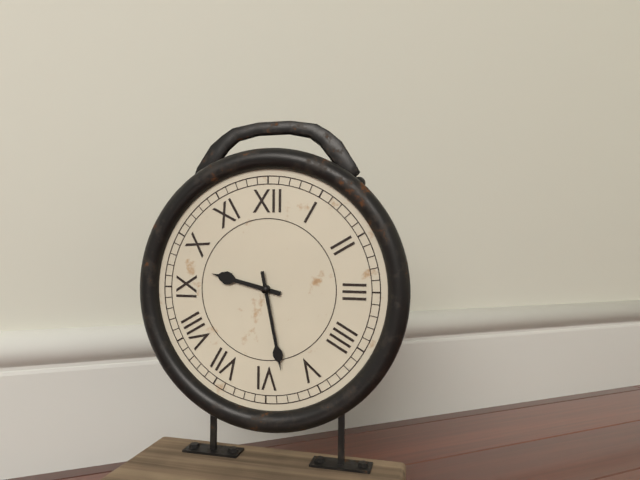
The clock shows h=9 m=28
